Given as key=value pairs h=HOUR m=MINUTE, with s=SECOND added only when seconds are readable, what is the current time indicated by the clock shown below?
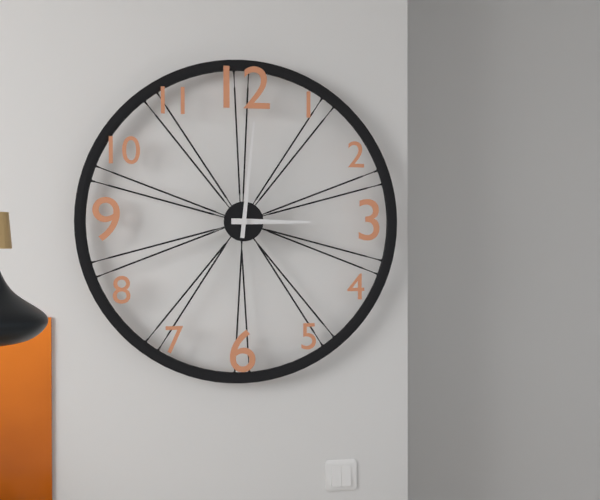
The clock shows h=3 m=1
